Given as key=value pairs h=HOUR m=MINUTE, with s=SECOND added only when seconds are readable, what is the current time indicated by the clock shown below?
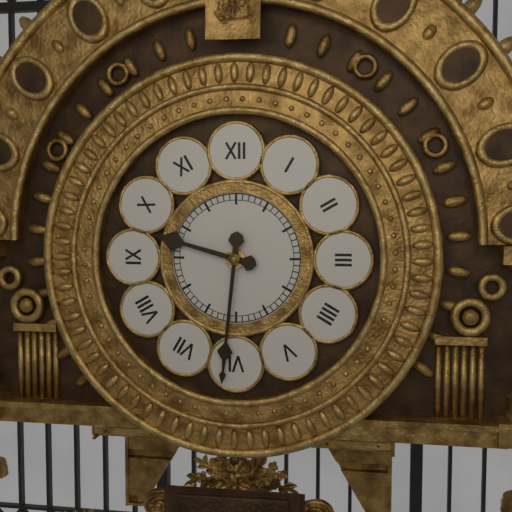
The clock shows h=9 m=31
